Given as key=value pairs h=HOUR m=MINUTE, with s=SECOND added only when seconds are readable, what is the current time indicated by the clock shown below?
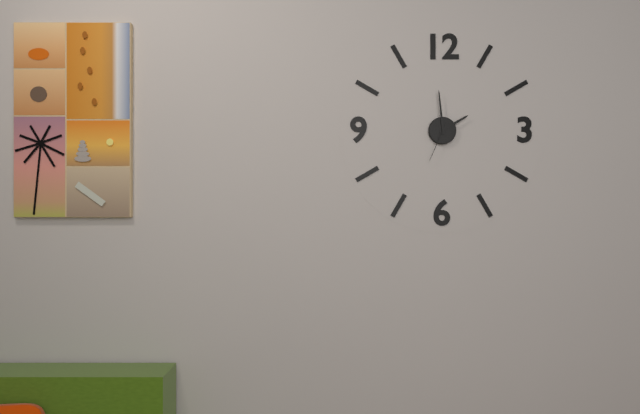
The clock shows h=1 m=59
